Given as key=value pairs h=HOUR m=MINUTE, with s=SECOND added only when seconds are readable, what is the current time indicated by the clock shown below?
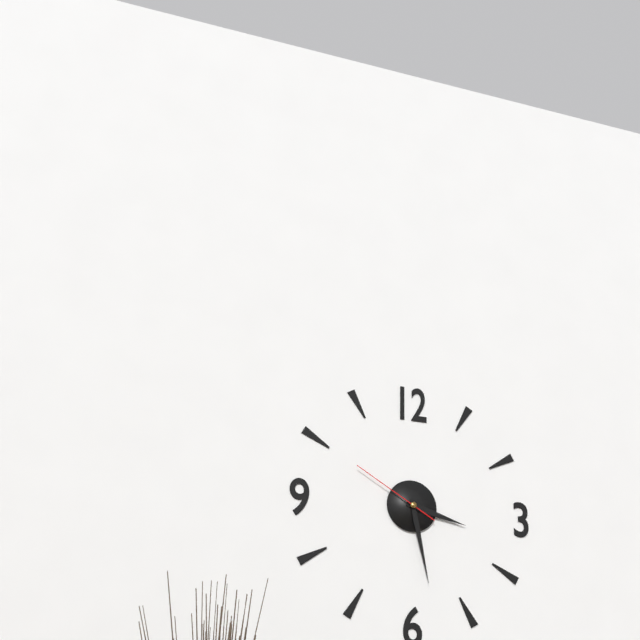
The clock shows h=3 m=28 s=50
